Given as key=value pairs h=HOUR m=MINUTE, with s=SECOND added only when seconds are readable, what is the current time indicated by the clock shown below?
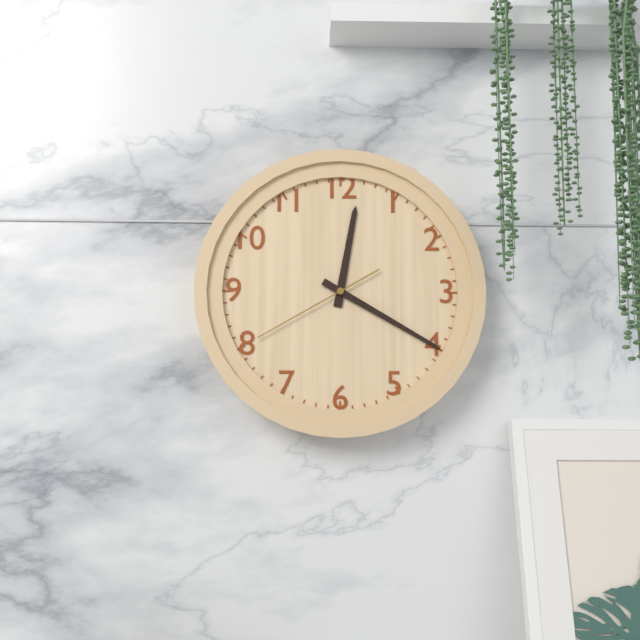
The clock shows h=12 m=20 s=40
